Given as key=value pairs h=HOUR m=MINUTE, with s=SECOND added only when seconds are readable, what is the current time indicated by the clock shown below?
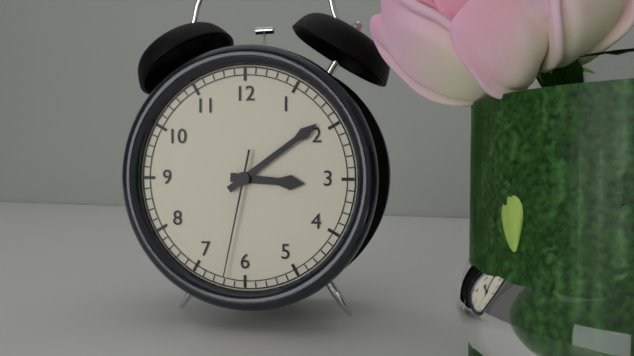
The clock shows h=3 m=9 s=32
